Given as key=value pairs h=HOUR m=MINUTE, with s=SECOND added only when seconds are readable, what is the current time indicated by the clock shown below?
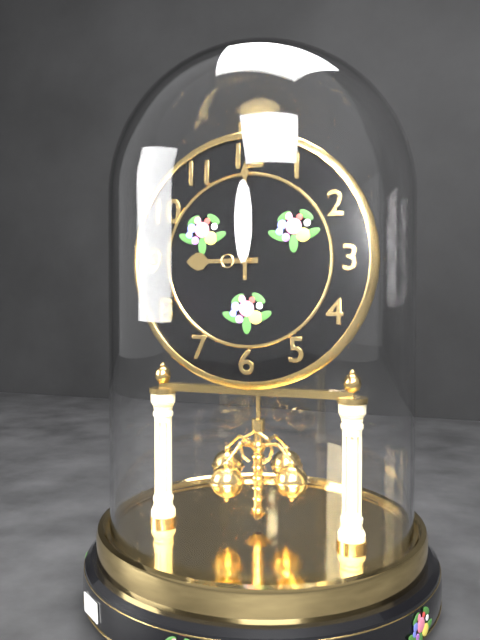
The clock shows h=9 m=0
